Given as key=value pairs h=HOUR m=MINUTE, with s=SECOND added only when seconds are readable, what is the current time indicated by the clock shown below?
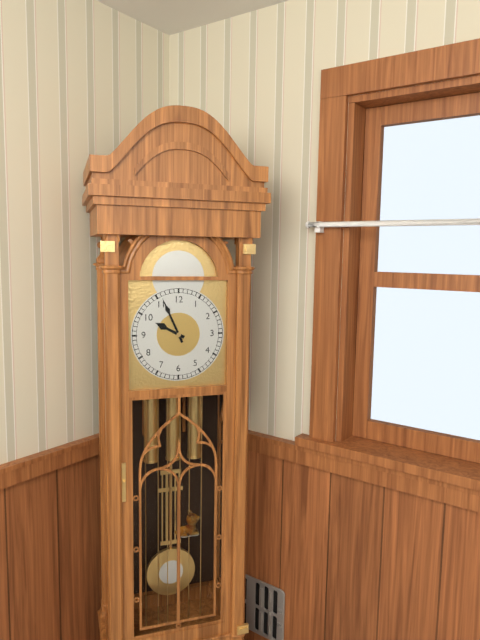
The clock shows h=9 m=56
